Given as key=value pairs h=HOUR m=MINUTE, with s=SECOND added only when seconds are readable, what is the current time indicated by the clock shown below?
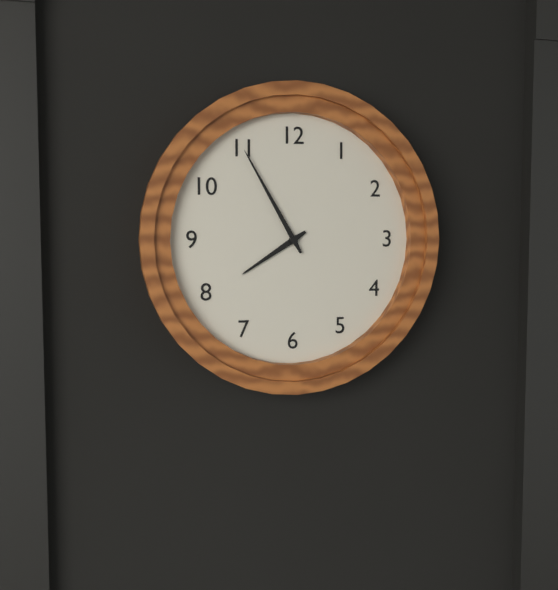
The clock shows h=7 m=55
